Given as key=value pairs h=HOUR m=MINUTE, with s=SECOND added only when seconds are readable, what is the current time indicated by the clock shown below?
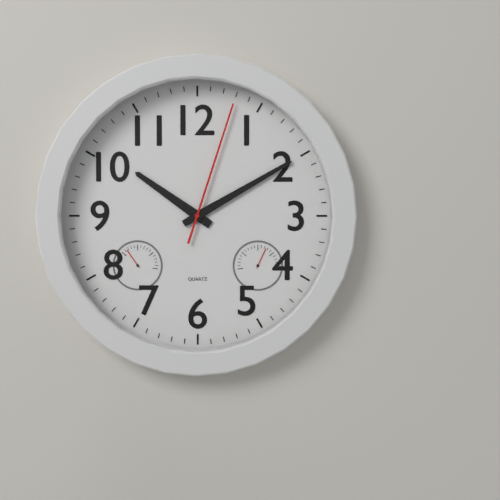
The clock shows h=10 m=10 s=3
